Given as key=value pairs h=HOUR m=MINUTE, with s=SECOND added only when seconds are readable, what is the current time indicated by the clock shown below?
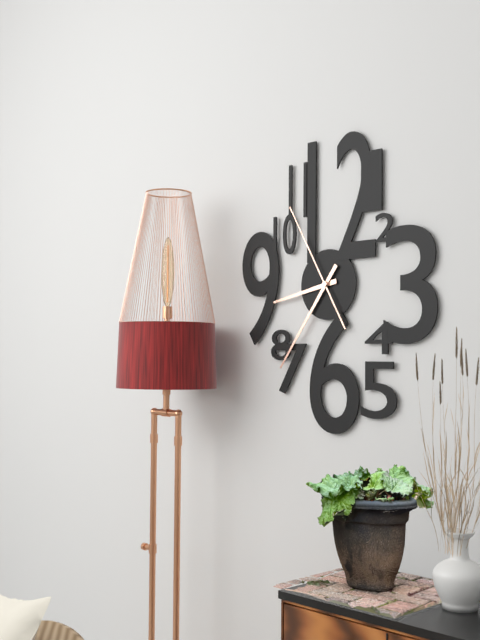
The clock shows h=8 m=36 s=55
